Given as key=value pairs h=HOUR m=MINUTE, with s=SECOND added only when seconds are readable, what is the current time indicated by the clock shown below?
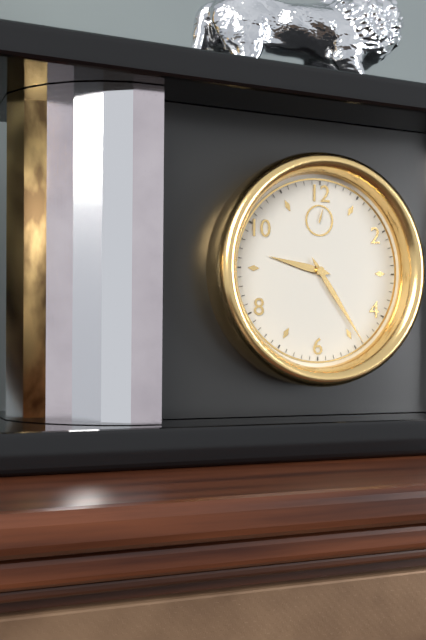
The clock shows h=9 m=24
